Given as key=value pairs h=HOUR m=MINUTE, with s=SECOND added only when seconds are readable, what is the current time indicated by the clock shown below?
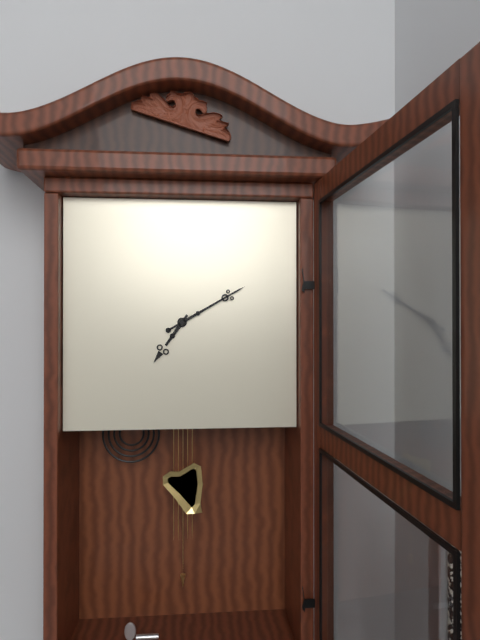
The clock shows h=7 m=10
